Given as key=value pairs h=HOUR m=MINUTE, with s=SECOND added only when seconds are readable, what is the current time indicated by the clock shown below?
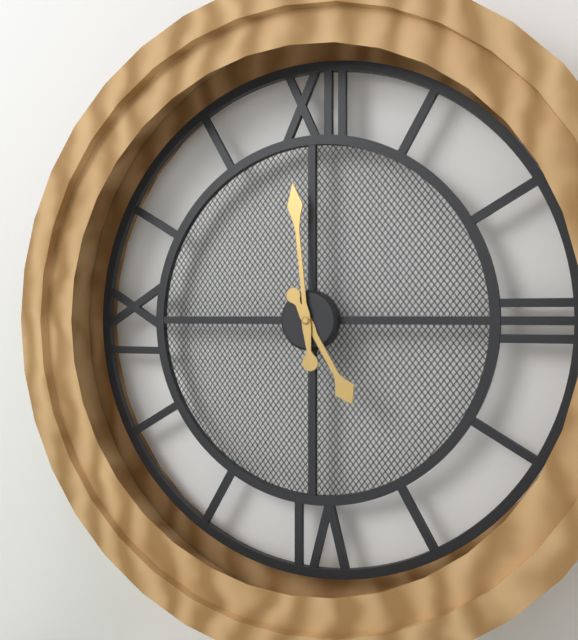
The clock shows h=4 m=59
